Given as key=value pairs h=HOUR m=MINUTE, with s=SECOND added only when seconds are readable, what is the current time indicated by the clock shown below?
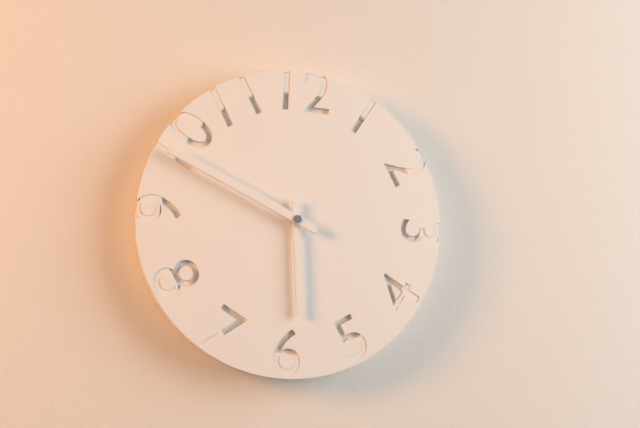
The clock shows h=5 m=49
